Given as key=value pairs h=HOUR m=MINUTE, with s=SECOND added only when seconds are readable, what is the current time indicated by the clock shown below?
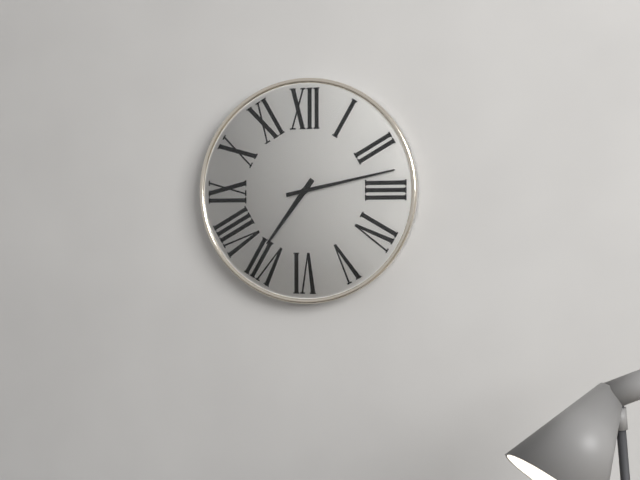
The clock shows h=7 m=13
